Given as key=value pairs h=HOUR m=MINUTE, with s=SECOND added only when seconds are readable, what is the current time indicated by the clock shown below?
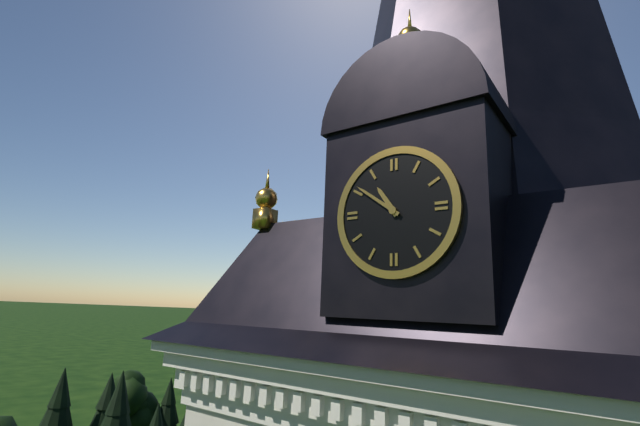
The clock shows h=10 m=51
